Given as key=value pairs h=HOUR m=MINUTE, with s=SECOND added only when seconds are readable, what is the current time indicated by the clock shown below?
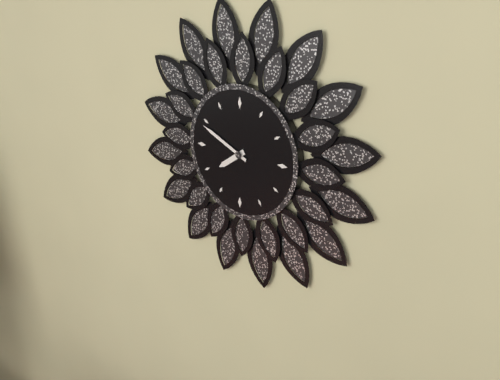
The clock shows h=7 m=49
